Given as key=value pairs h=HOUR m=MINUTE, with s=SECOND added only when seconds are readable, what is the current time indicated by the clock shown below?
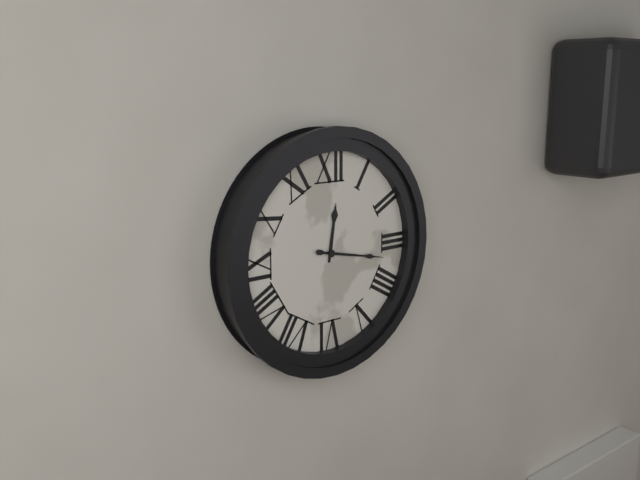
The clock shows h=12 m=17
